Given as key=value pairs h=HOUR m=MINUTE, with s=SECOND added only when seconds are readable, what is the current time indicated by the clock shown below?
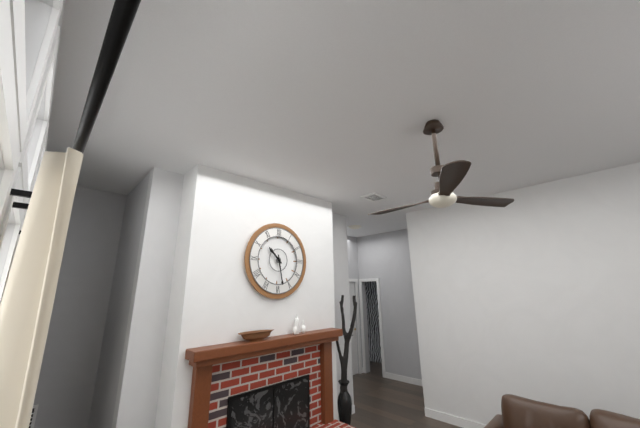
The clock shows h=10 m=28
